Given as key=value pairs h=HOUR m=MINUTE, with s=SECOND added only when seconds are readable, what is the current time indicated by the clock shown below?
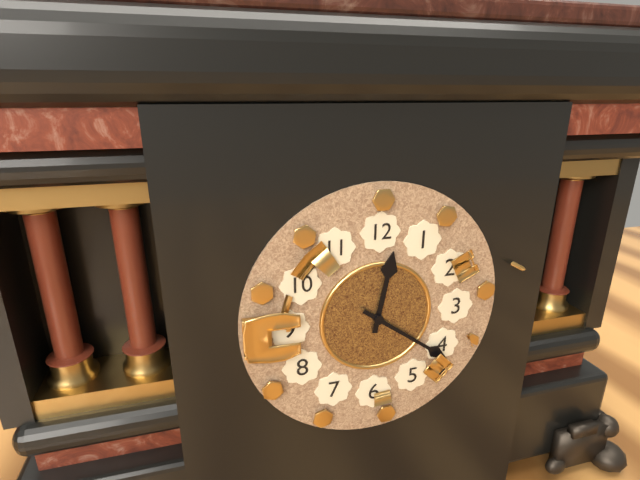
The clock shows h=12 m=21
